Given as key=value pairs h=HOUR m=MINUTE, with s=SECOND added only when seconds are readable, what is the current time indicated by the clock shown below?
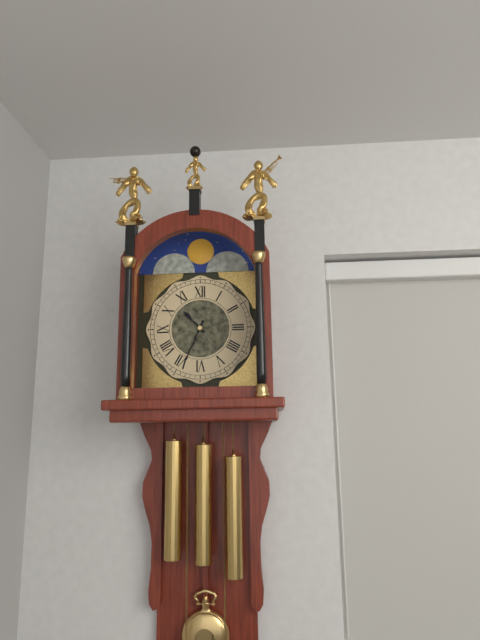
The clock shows h=10 m=34
